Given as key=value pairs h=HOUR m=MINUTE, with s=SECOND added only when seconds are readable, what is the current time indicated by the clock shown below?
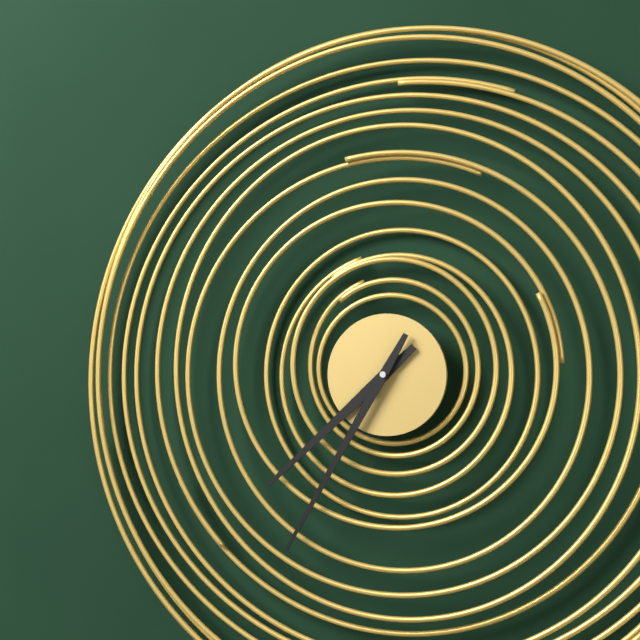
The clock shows h=7 m=35
